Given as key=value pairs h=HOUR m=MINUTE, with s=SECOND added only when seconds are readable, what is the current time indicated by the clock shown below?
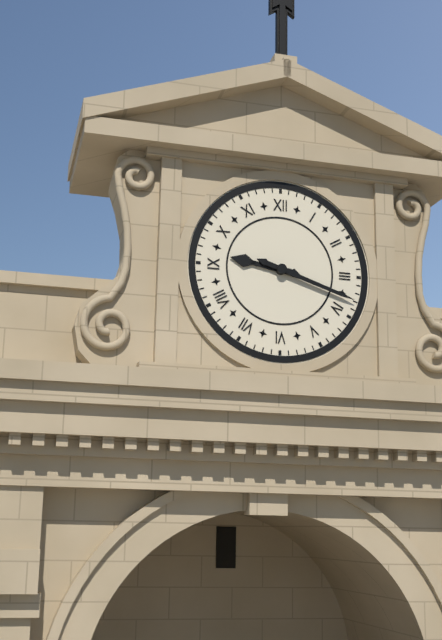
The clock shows h=9 m=18
